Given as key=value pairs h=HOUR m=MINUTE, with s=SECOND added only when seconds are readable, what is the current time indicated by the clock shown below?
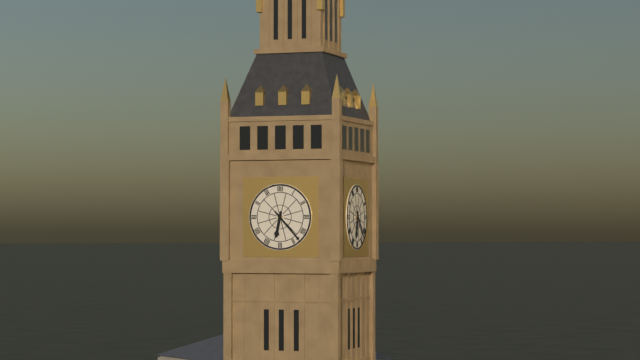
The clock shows h=6 m=23
